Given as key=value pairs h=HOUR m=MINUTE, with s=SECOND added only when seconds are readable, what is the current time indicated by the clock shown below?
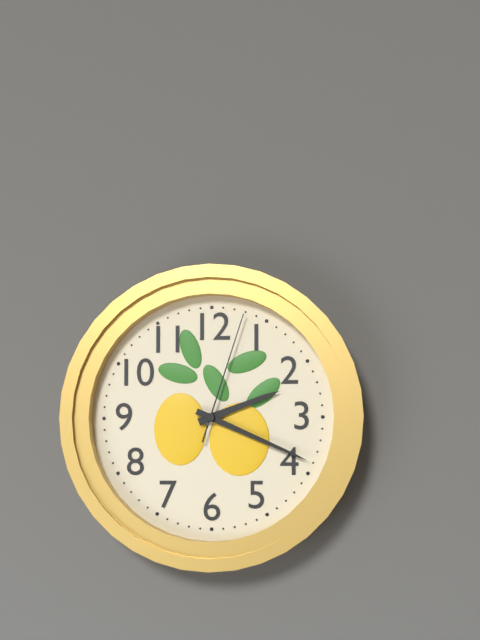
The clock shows h=2 m=19 s=3
